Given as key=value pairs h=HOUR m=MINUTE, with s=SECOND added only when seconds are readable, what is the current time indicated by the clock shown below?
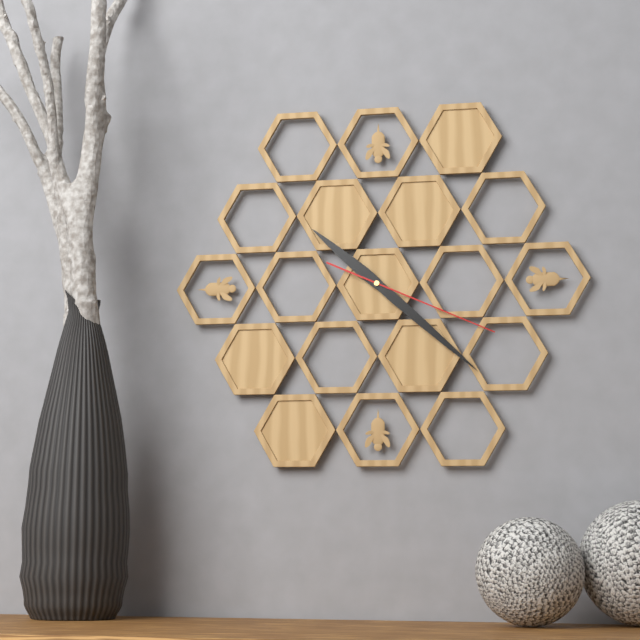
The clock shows h=10 m=22 s=19
